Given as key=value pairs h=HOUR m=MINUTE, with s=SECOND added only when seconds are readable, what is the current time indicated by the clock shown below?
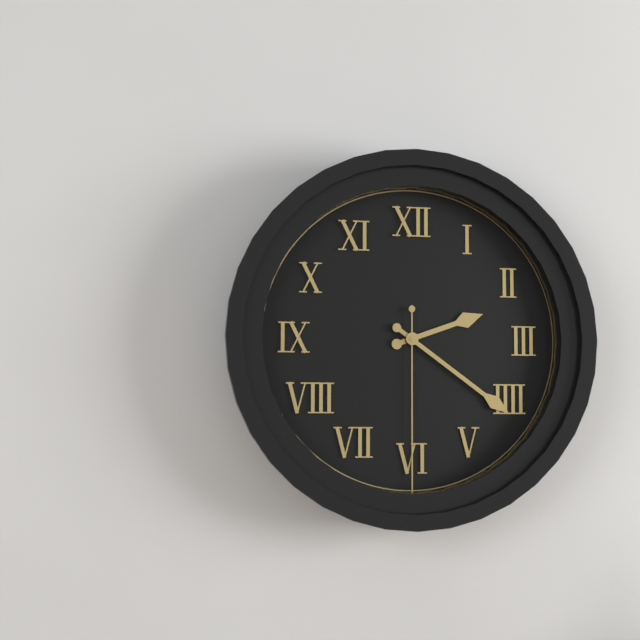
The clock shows h=2 m=21 s=30
